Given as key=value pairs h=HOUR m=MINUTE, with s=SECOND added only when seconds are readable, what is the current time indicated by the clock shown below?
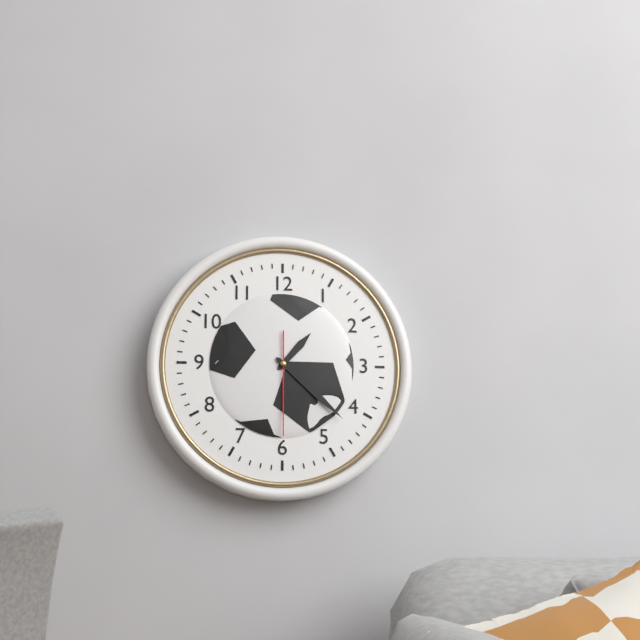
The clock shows h=1 m=22 s=30
